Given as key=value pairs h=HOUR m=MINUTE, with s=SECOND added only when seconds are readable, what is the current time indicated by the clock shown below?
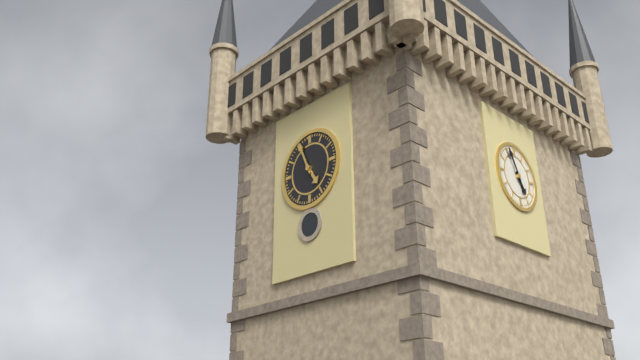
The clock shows h=4 m=56
